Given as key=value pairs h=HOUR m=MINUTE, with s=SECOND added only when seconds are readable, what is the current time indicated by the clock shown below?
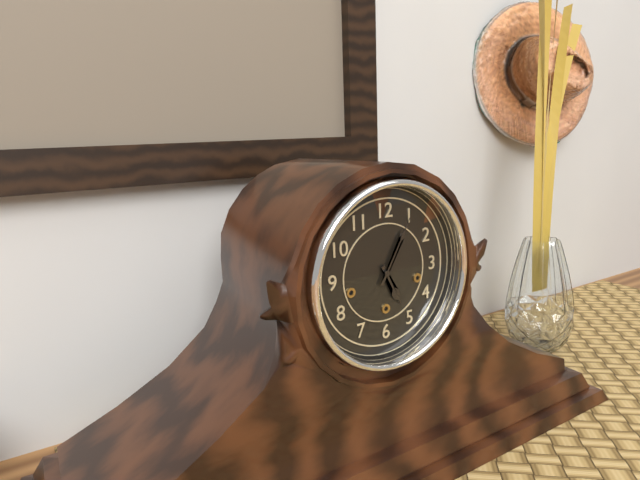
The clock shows h=5 m=5
